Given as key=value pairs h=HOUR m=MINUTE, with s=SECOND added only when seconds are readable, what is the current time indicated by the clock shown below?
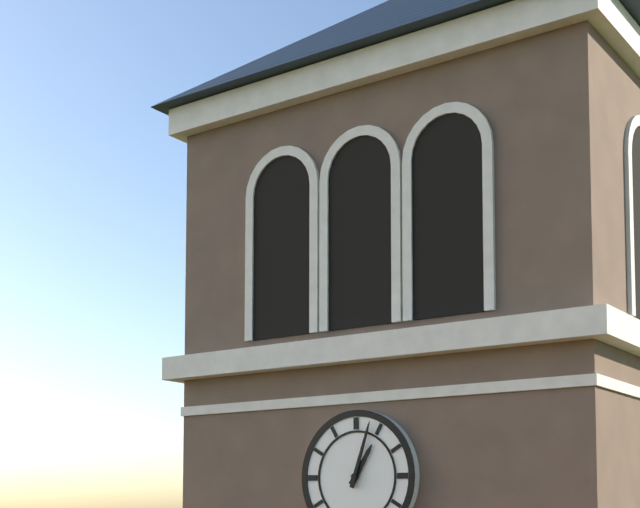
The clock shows h=1 m=3
